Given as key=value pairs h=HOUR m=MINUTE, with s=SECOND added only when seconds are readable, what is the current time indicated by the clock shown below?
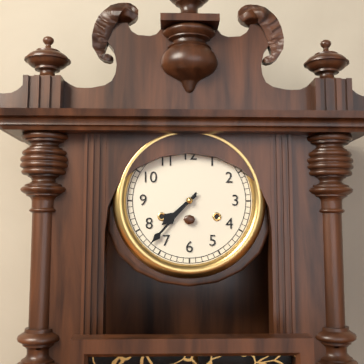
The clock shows h=7 m=37
